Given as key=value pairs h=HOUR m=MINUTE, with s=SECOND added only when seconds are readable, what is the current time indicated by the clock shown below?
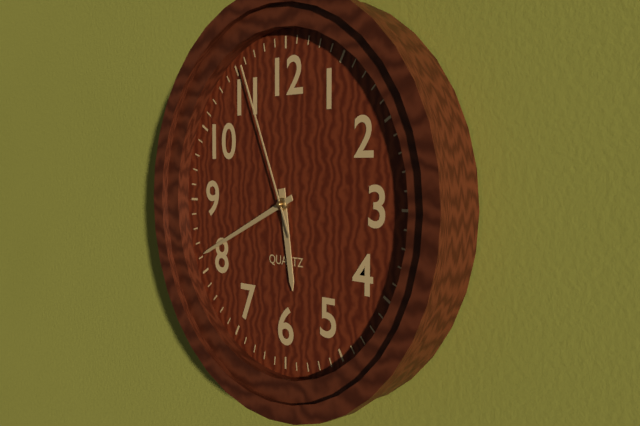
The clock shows h=5 m=41 s=56
